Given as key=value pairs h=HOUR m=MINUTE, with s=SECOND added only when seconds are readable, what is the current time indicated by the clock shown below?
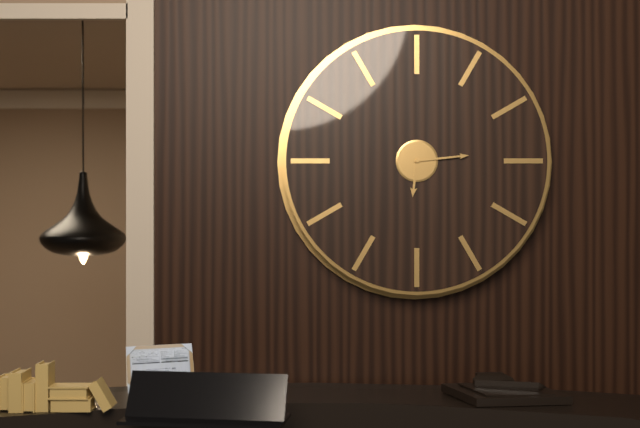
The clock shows h=6 m=14
